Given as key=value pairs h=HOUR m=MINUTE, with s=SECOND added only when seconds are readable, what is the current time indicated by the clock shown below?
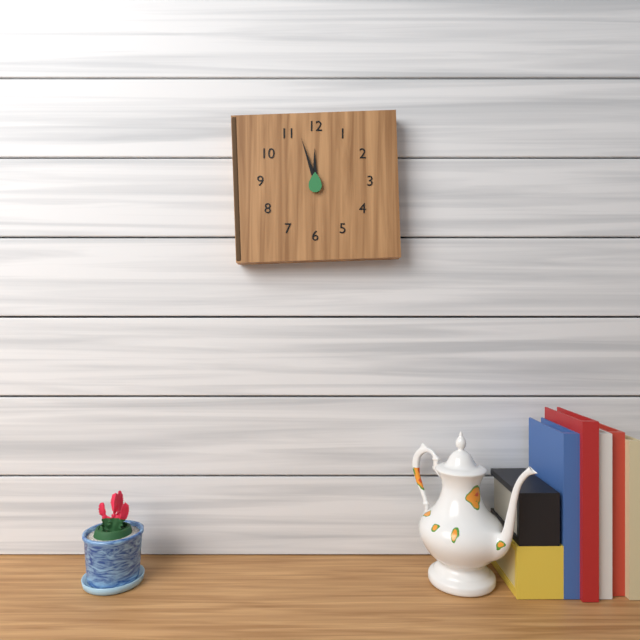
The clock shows h=11 m=57
